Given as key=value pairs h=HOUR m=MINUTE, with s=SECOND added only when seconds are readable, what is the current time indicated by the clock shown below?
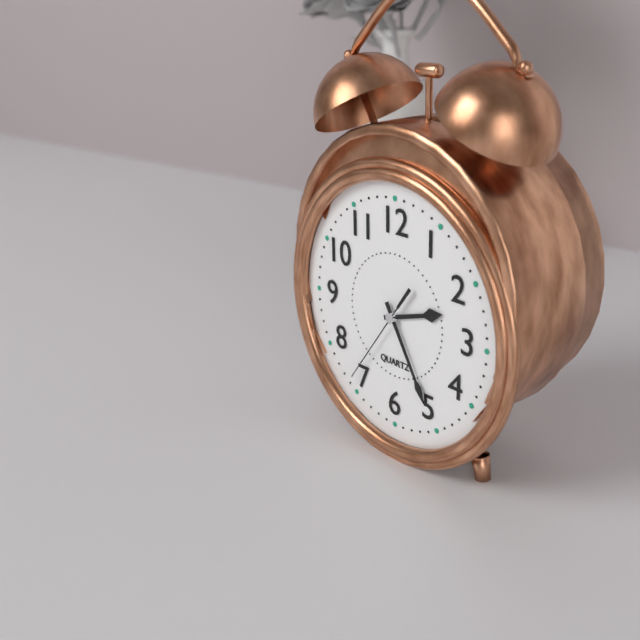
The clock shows h=2 m=25 s=36
